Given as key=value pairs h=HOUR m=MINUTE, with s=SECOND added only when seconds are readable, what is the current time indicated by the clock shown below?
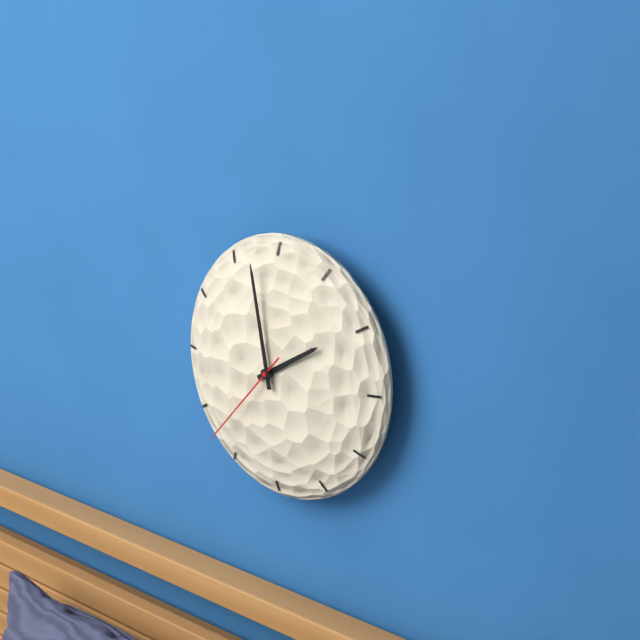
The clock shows h=1 m=58 s=37
